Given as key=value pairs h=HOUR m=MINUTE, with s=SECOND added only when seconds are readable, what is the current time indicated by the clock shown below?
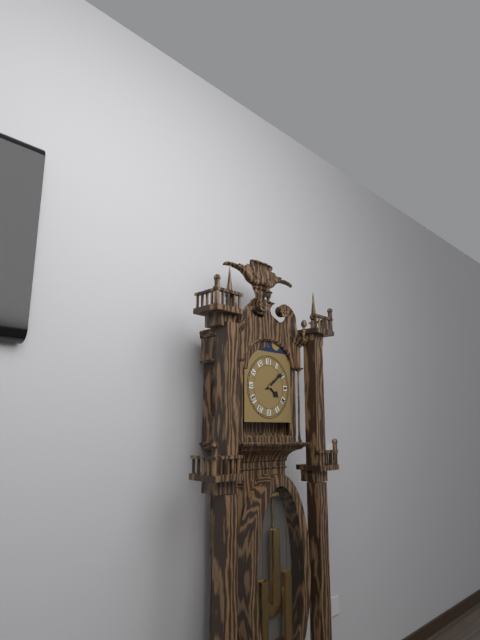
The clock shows h=4 m=9
